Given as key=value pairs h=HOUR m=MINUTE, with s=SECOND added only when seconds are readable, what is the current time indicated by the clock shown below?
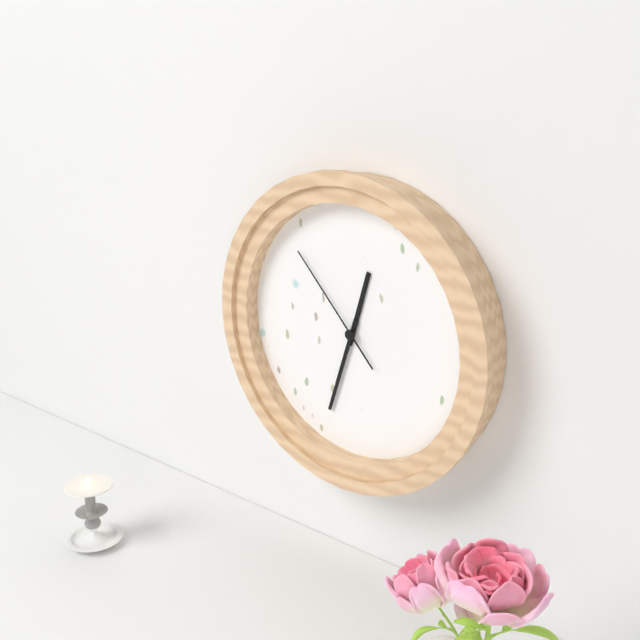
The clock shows h=12 m=33 s=53
